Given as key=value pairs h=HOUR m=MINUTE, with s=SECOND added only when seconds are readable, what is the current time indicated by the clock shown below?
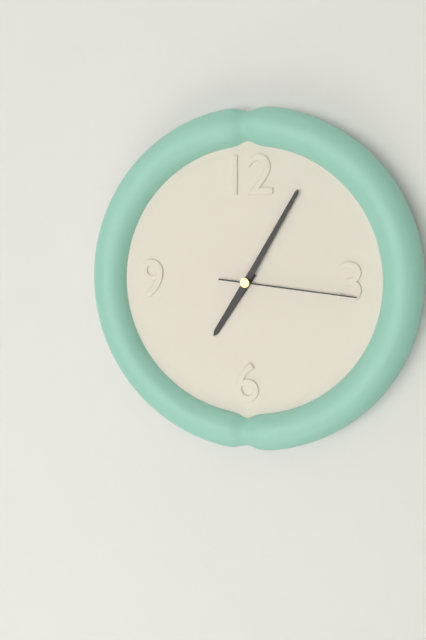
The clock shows h=7 m=5 s=16
